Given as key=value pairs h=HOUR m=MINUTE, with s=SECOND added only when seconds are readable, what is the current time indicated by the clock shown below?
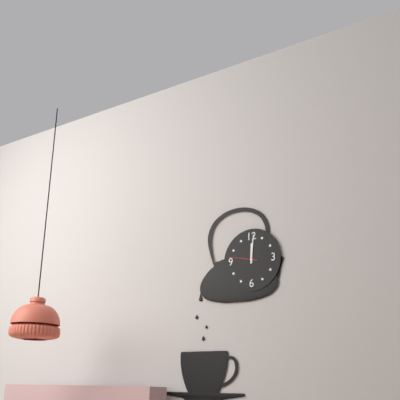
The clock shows h=12 m=1
